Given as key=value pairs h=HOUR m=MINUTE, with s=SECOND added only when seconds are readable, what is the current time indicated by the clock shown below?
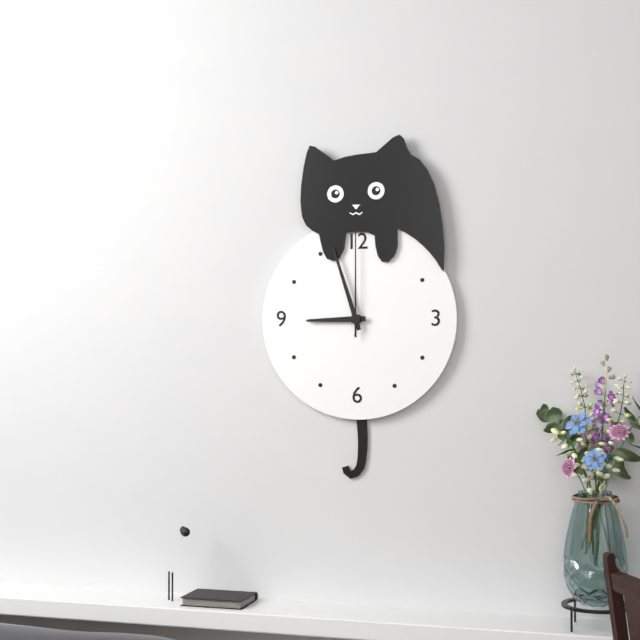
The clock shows h=8 m=57 s=0
